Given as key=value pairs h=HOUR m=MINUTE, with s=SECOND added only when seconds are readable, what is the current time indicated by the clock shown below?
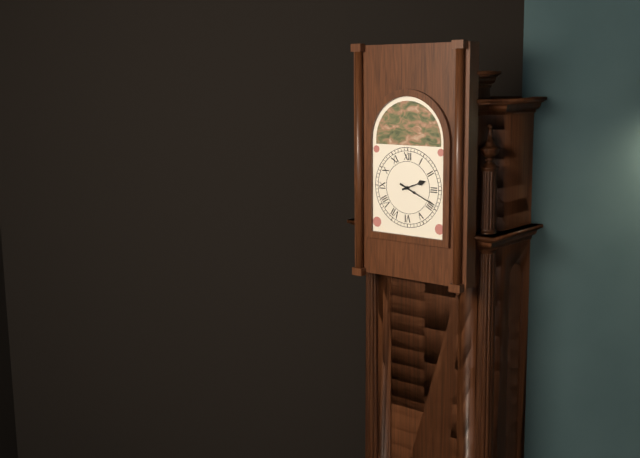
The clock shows h=2 m=19
